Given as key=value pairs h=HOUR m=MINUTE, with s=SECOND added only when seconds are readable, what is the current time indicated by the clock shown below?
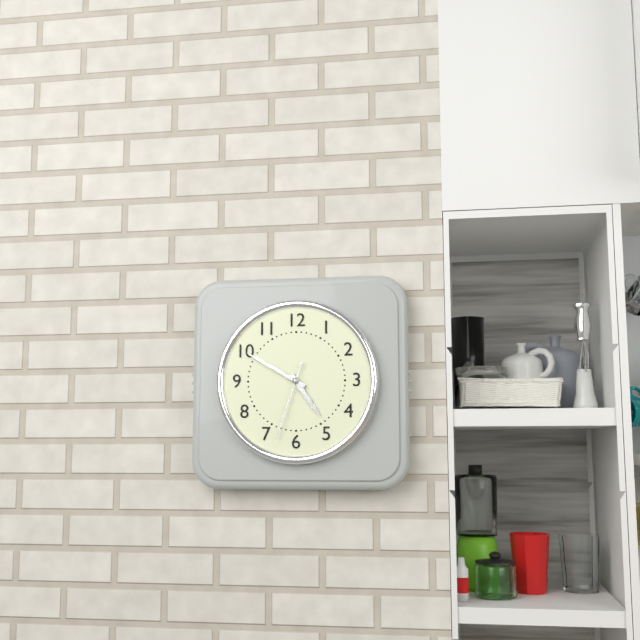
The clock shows h=4 m=50 s=33
